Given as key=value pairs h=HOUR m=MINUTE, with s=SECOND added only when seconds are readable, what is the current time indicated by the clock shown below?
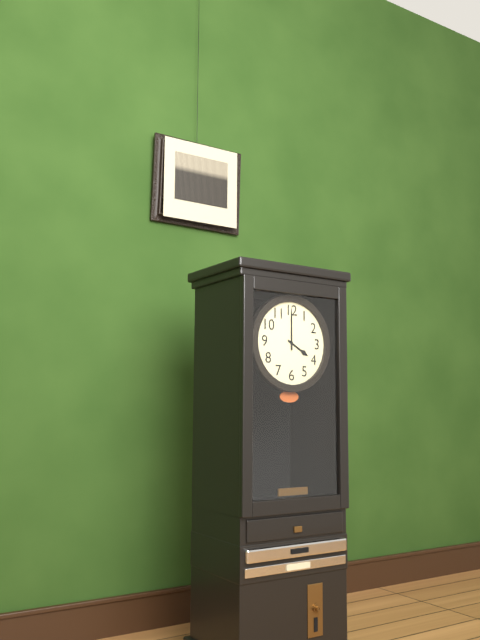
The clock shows h=4 m=0
